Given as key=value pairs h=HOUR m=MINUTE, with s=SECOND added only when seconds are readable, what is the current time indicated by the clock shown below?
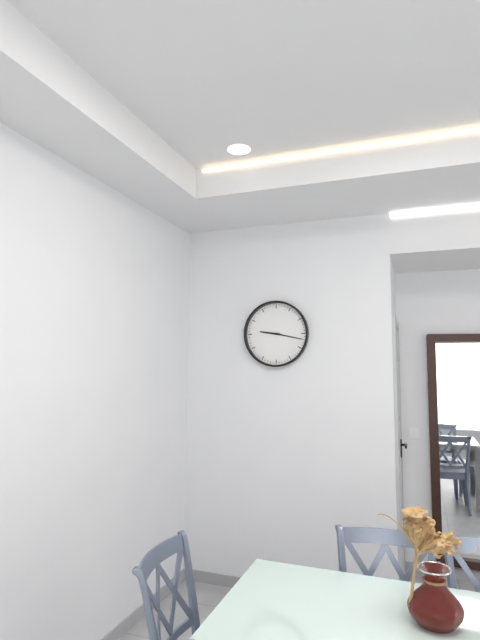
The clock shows h=9 m=17
